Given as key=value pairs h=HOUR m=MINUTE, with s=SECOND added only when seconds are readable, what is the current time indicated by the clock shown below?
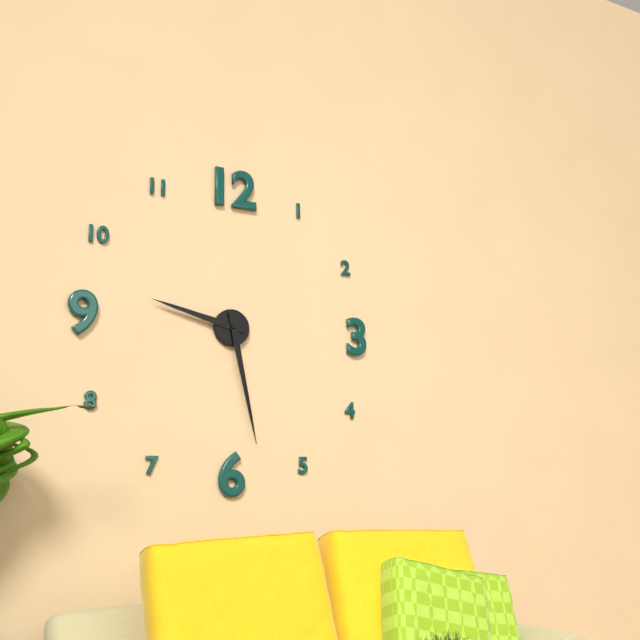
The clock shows h=9 m=28
